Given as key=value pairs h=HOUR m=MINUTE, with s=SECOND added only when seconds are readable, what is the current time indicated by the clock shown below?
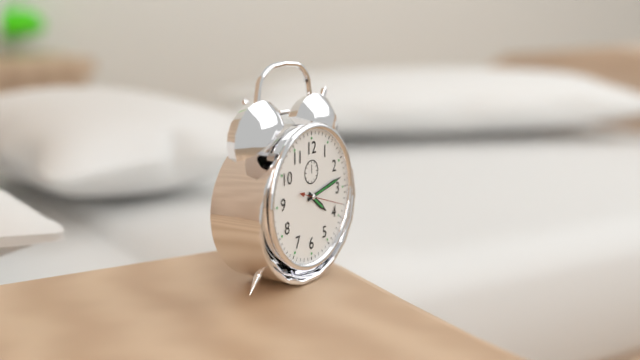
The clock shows h=4 m=13
